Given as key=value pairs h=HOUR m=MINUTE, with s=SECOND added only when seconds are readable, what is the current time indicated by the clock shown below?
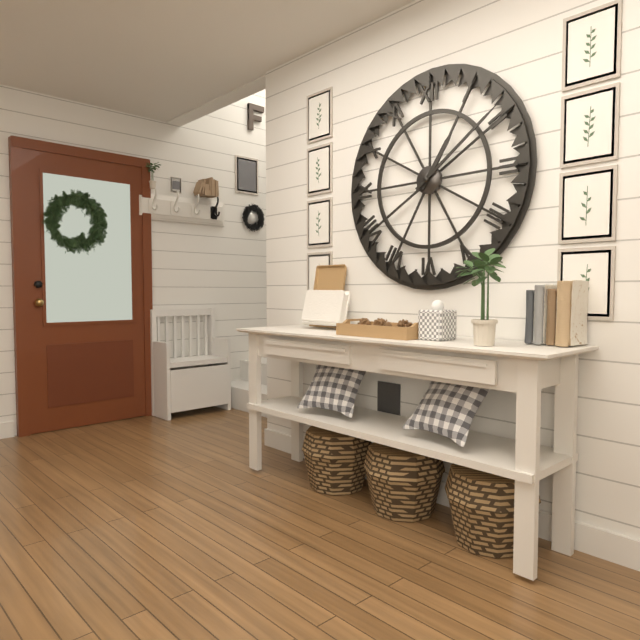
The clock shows h=1 m=9
